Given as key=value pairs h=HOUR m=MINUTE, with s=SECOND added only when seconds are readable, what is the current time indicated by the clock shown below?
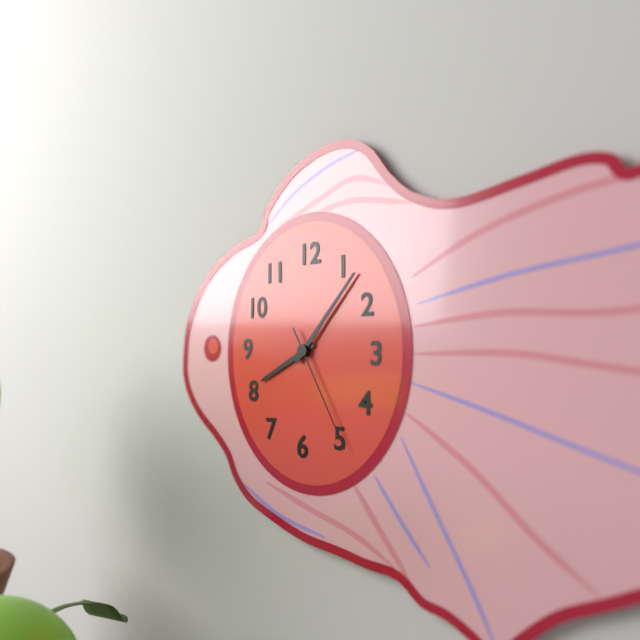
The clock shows h=8 m=7 s=25
